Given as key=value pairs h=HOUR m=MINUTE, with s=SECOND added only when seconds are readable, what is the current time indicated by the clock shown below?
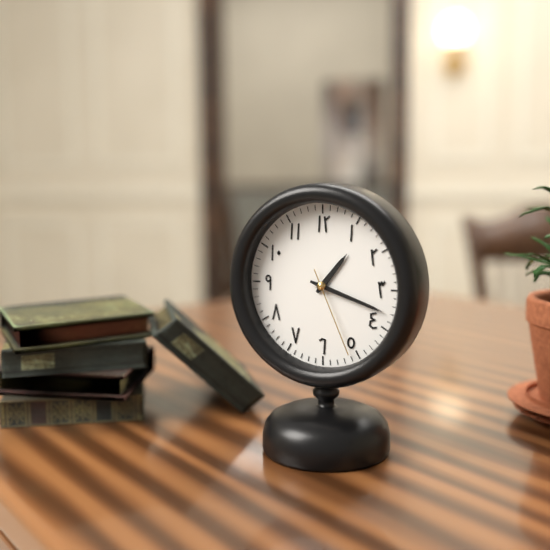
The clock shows h=1 m=18 s=26
